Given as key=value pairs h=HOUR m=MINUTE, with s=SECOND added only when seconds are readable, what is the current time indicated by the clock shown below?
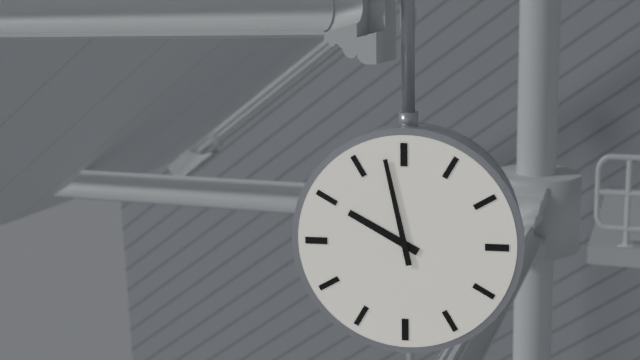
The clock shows h=9 m=58
